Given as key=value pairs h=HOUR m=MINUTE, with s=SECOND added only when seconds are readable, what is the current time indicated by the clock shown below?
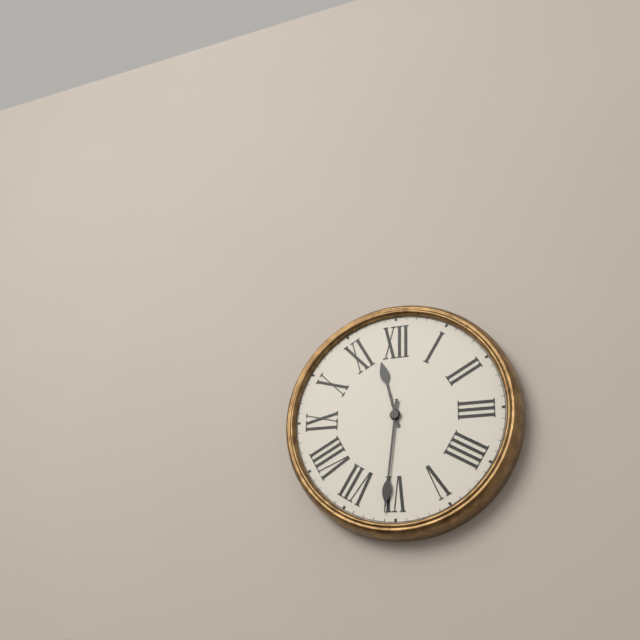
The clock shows h=11 m=31
